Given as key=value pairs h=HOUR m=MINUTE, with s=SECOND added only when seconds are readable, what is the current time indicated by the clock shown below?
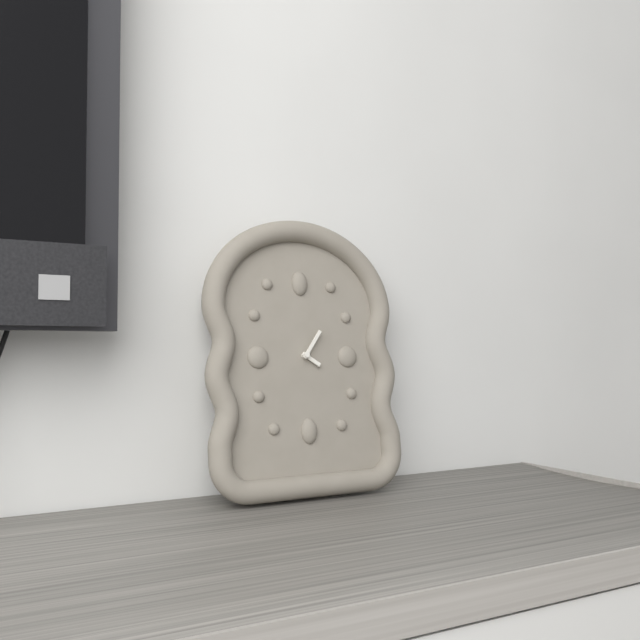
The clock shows h=4 m=6
